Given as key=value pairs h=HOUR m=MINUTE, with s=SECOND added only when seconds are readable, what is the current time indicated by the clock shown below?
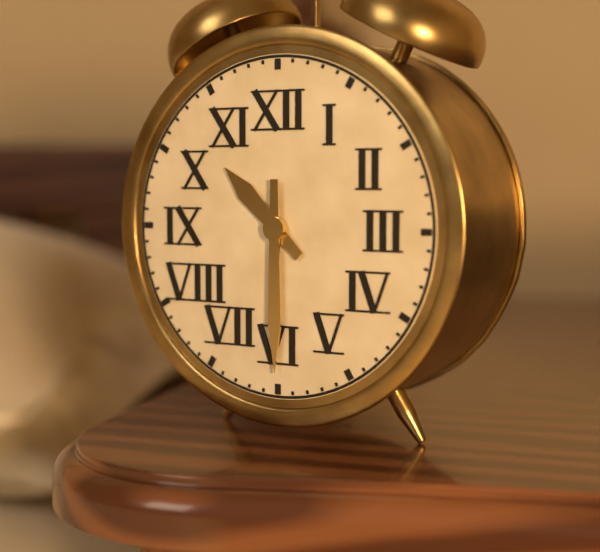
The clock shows h=10 m=30
